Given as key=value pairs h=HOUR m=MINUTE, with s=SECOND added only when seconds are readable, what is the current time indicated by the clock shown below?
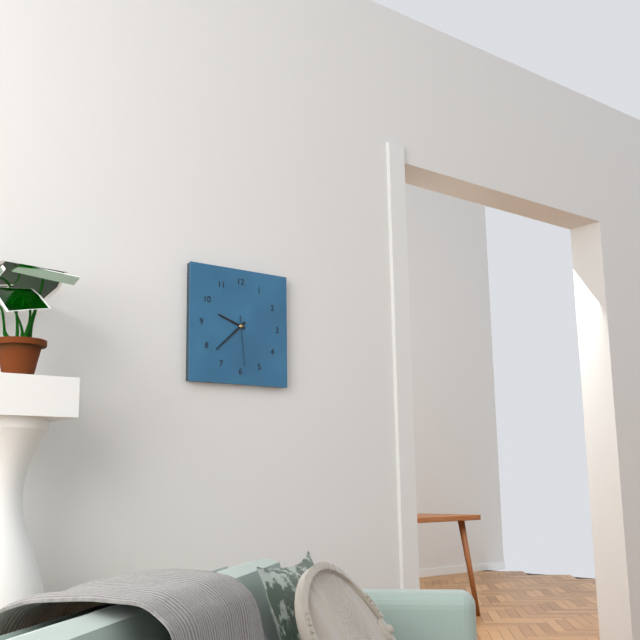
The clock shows h=9 m=38 s=29
